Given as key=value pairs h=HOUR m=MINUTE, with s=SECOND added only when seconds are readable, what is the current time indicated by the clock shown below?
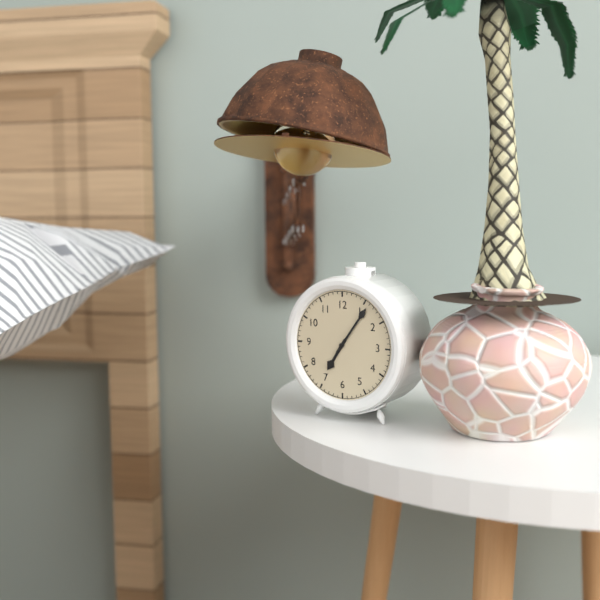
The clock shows h=7 m=6
